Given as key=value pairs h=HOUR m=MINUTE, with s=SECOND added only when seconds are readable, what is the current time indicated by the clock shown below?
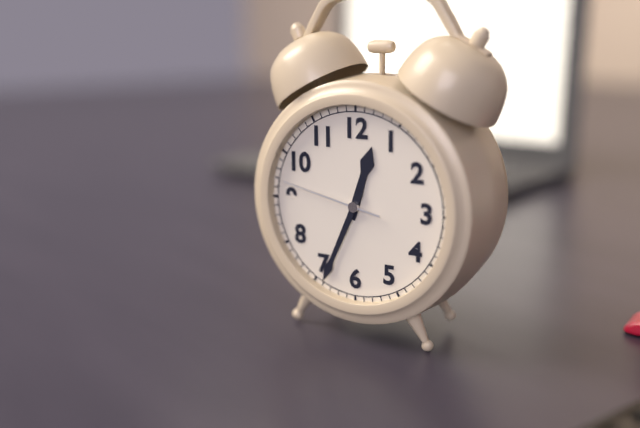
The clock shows h=12 m=34 s=47
